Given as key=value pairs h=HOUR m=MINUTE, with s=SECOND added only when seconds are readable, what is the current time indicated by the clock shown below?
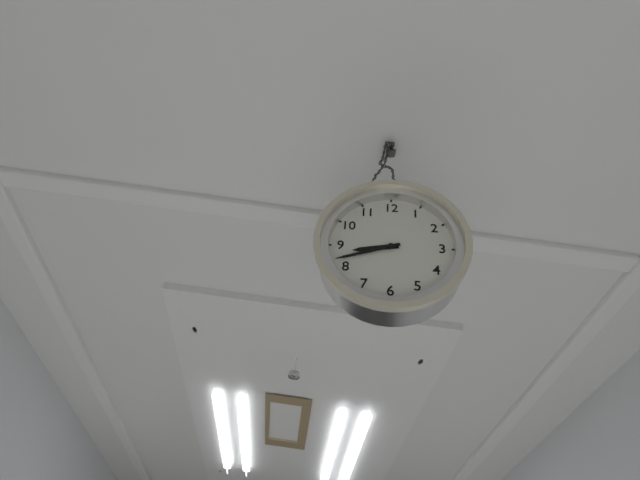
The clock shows h=8 m=42
